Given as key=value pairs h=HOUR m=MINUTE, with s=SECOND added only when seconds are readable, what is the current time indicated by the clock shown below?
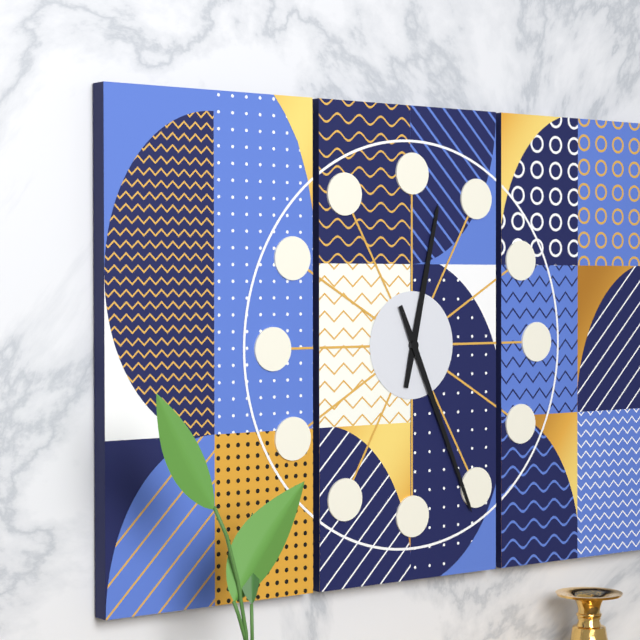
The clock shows h=12 m=26
